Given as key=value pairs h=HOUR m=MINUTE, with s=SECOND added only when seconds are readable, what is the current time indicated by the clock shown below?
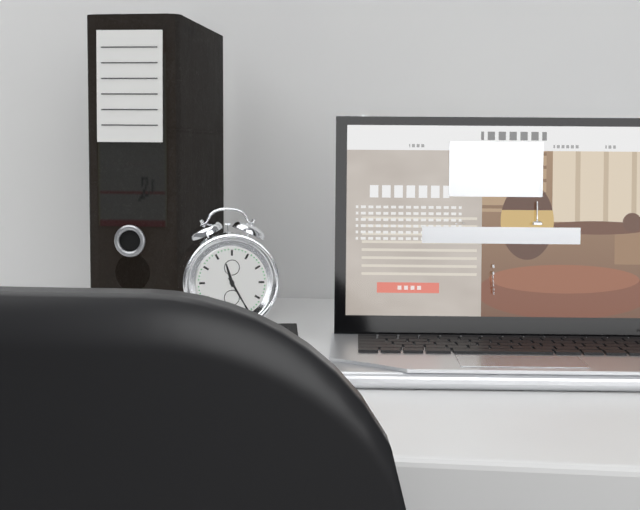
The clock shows h=11 m=25
